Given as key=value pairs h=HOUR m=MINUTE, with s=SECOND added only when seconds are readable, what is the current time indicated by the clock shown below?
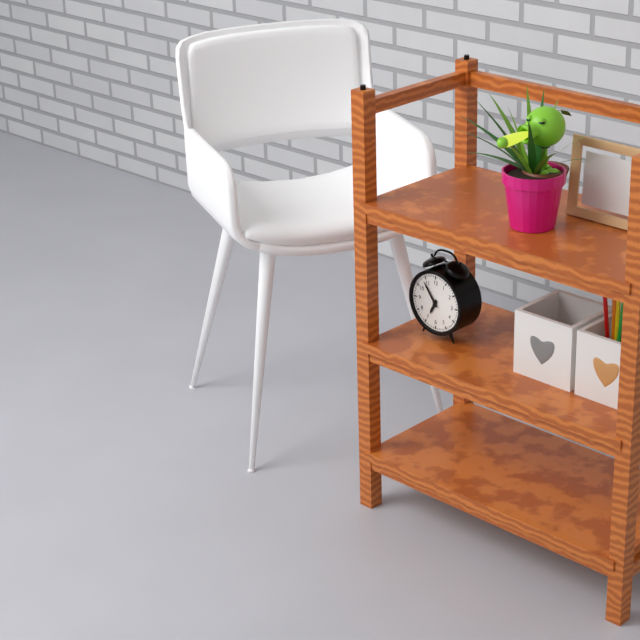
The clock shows h=6 m=54
